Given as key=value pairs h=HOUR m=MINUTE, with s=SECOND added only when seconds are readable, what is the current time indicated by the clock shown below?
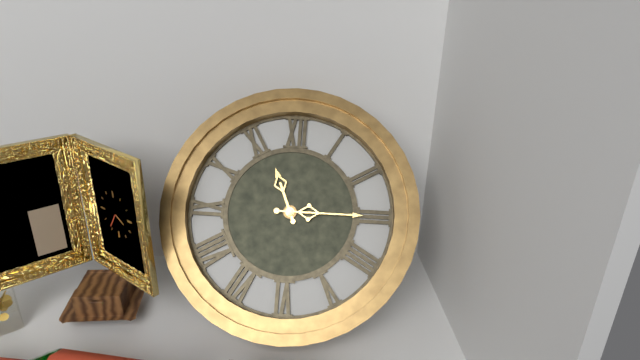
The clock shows h=11 m=15
